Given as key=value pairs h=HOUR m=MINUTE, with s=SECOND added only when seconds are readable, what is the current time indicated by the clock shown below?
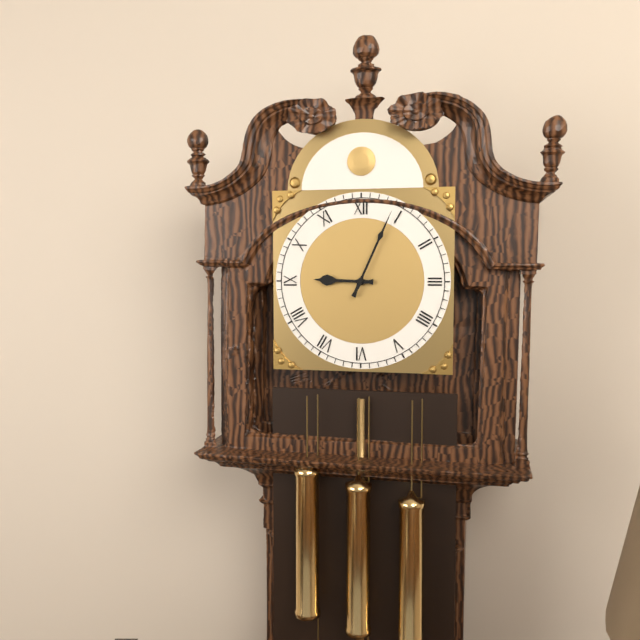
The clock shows h=9 m=4
